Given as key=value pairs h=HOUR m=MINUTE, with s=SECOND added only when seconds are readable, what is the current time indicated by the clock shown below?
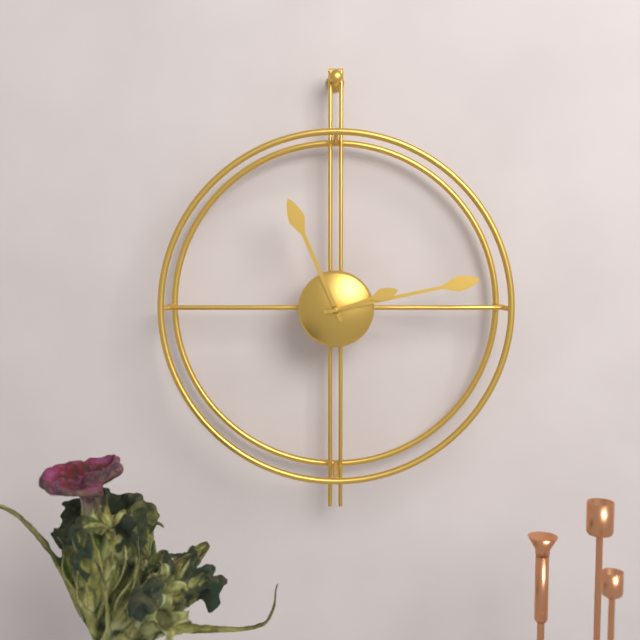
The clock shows h=11 m=13 s=12
